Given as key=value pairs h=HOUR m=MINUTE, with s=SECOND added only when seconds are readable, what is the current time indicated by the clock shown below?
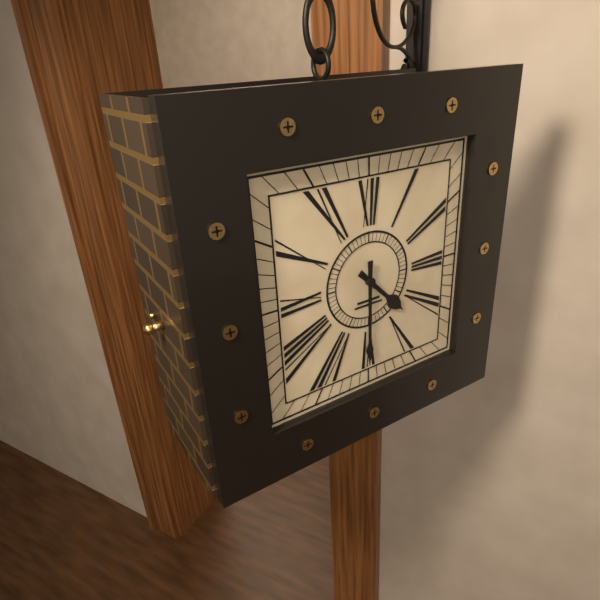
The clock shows h=4 m=30
